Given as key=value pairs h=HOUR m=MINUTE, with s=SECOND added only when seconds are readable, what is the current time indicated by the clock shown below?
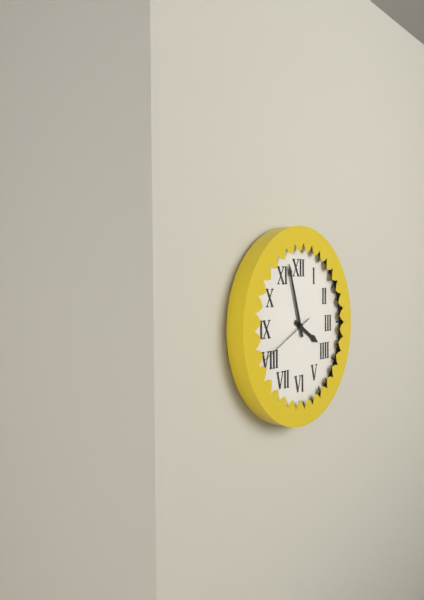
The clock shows h=3 m=57 s=41
